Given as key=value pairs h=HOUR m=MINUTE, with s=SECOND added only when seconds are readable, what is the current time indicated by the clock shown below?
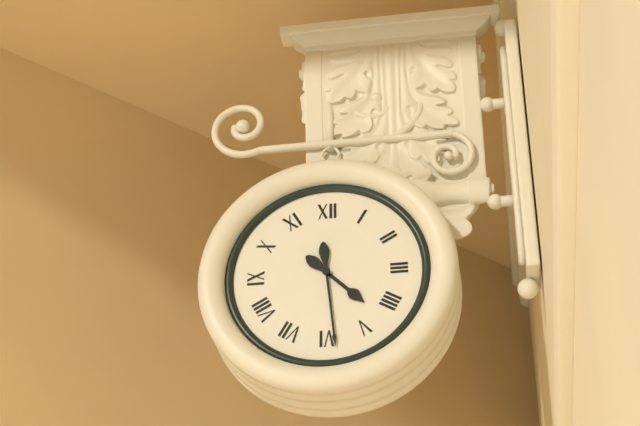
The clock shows h=4 m=29
